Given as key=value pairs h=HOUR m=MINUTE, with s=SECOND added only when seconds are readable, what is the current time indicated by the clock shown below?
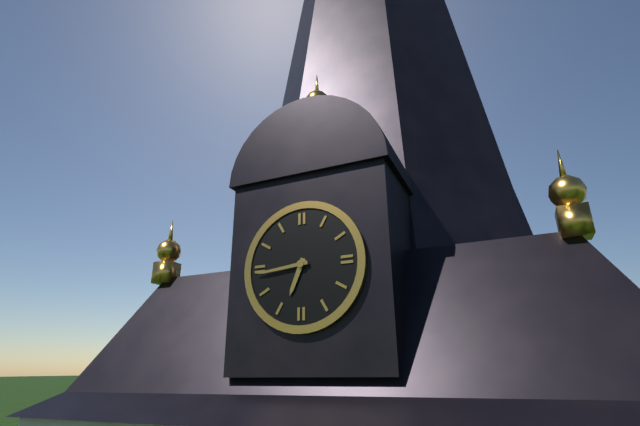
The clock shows h=6 m=44
